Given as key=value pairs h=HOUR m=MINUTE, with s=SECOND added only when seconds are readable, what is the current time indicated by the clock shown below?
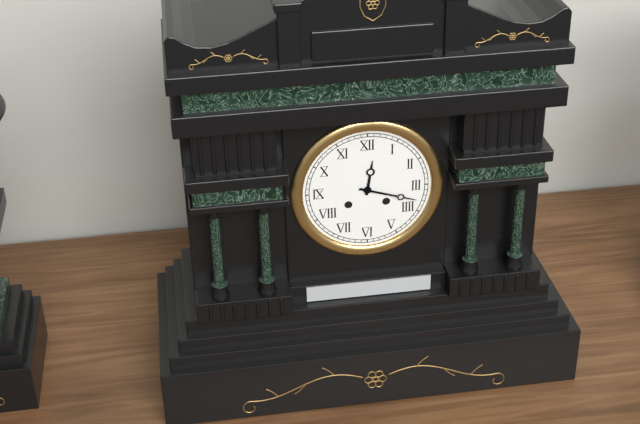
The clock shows h=12 m=18
